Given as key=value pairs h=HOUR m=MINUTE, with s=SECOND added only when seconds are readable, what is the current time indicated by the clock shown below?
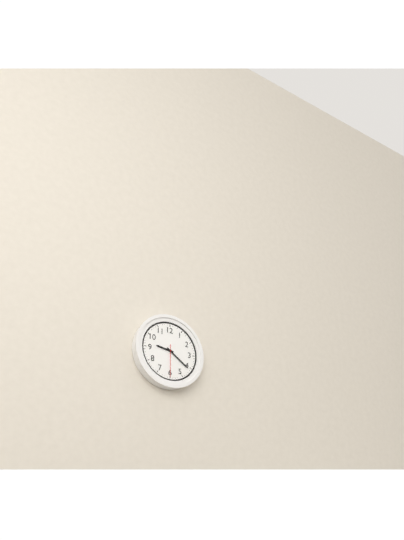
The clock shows h=9 m=21
